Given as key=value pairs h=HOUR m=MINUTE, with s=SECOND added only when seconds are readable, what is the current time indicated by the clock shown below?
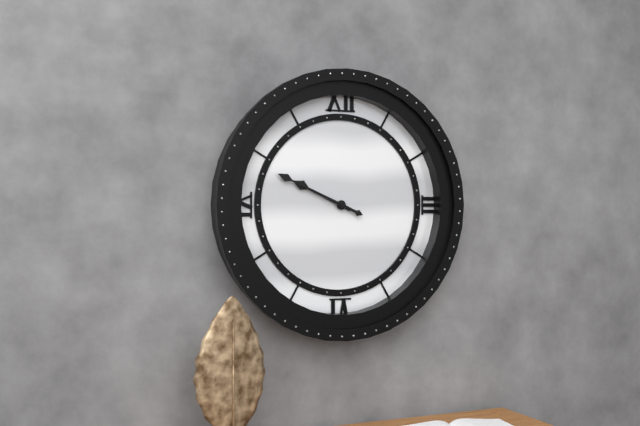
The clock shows h=9 m=49
